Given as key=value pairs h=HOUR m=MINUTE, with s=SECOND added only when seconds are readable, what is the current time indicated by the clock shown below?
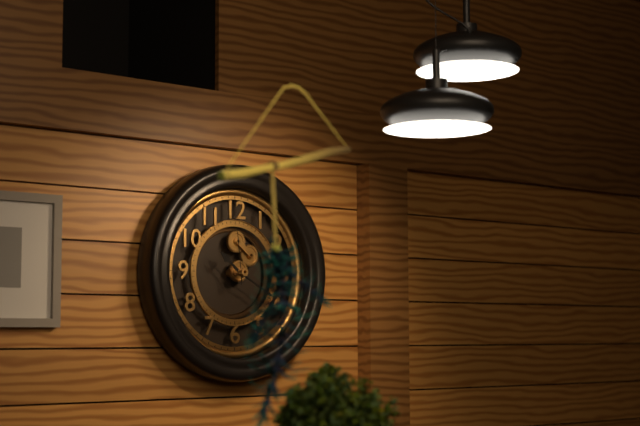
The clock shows h=10 m=20 s=59
